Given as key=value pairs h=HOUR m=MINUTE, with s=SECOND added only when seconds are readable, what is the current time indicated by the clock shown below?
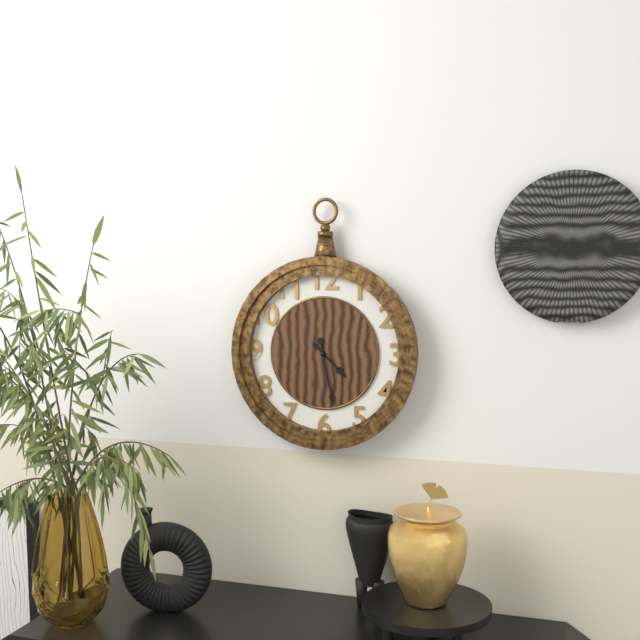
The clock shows h=4 m=28
